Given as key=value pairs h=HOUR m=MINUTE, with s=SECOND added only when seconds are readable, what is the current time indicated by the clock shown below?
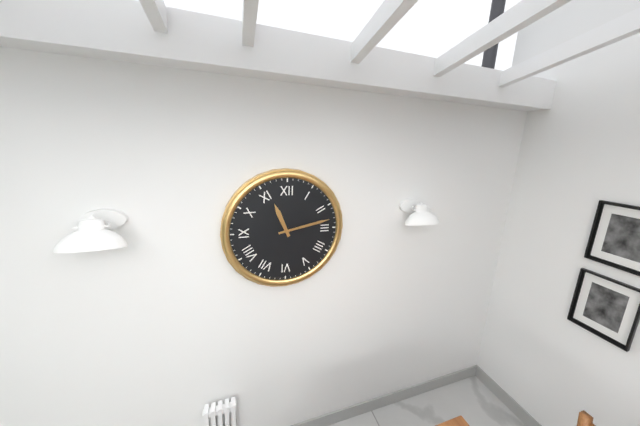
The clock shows h=11 m=13
